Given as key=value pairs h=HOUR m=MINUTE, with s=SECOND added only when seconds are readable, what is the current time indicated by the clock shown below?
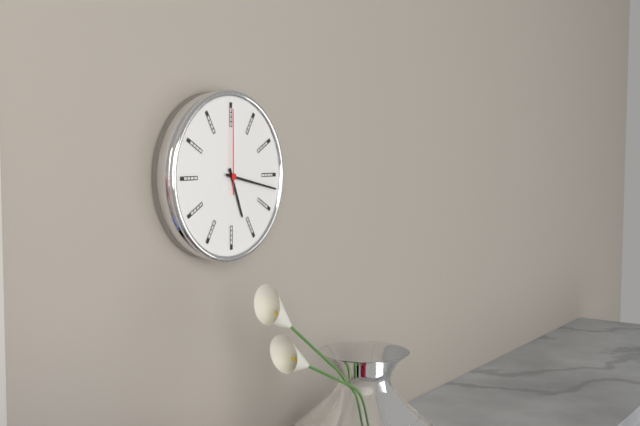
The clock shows h=5 m=17 s=0
